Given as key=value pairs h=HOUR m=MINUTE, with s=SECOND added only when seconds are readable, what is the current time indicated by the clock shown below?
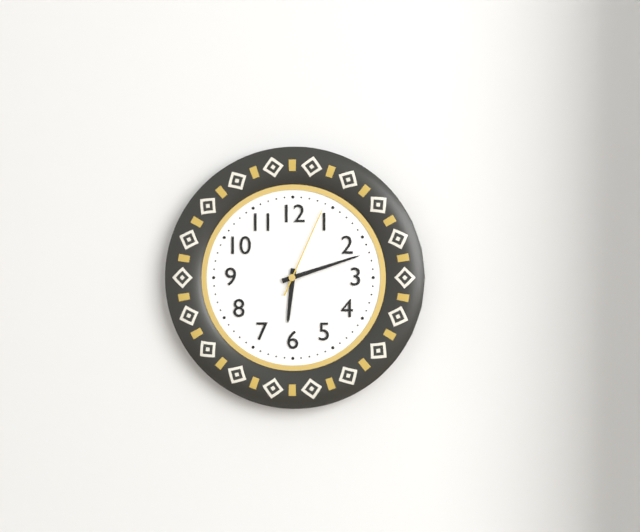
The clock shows h=6 m=12 s=4
